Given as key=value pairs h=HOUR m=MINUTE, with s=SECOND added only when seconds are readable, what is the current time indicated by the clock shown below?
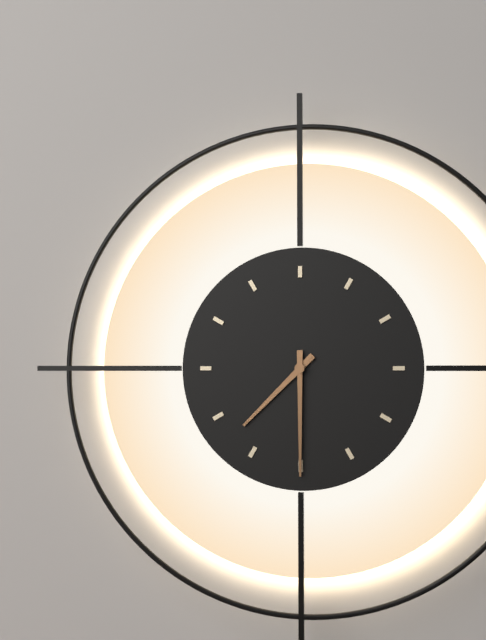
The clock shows h=7 m=30
